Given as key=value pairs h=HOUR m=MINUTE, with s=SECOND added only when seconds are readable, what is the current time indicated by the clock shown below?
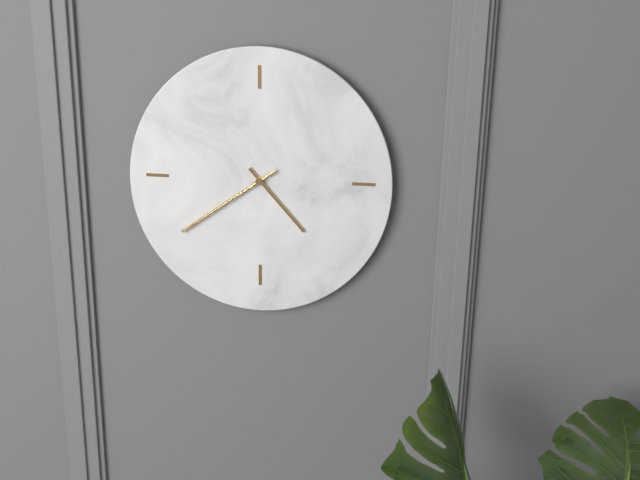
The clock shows h=4 m=39
